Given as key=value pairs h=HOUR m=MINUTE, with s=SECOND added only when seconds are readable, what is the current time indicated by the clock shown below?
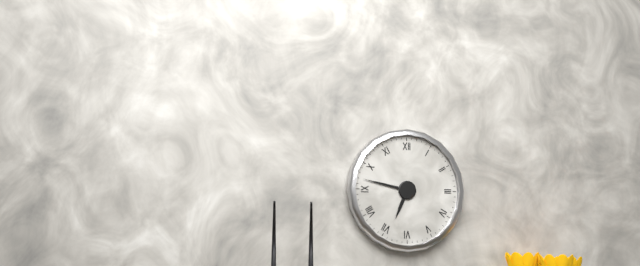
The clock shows h=6 m=47
